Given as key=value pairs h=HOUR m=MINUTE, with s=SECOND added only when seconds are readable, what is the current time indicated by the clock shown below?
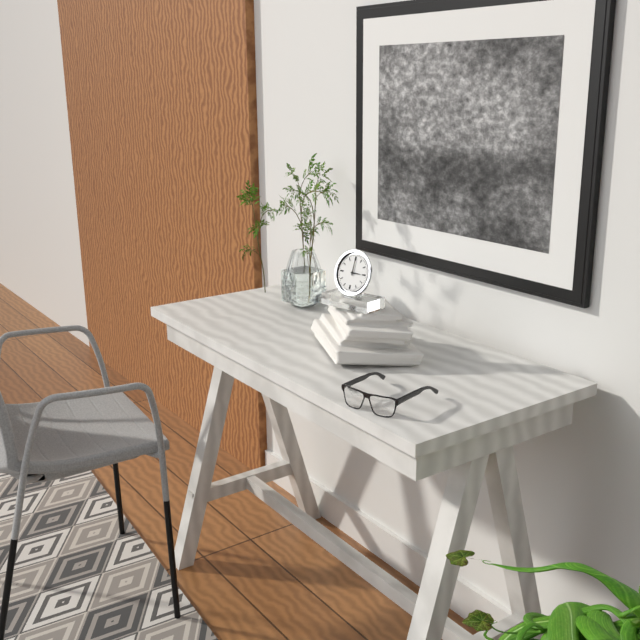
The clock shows h=3 m=0
